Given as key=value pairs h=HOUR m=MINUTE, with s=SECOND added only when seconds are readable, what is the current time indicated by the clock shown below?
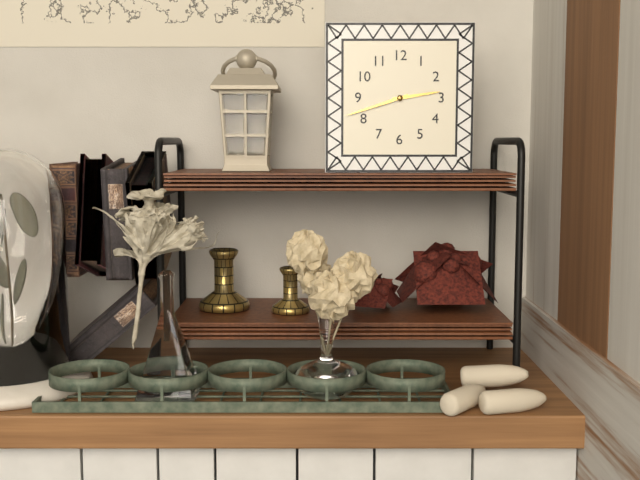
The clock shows h=2 m=42
